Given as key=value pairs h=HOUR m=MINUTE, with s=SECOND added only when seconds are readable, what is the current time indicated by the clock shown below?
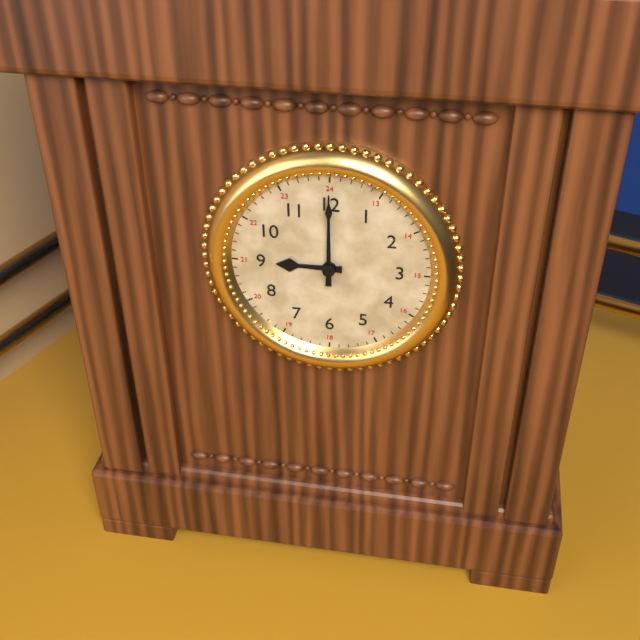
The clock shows h=9 m=0
